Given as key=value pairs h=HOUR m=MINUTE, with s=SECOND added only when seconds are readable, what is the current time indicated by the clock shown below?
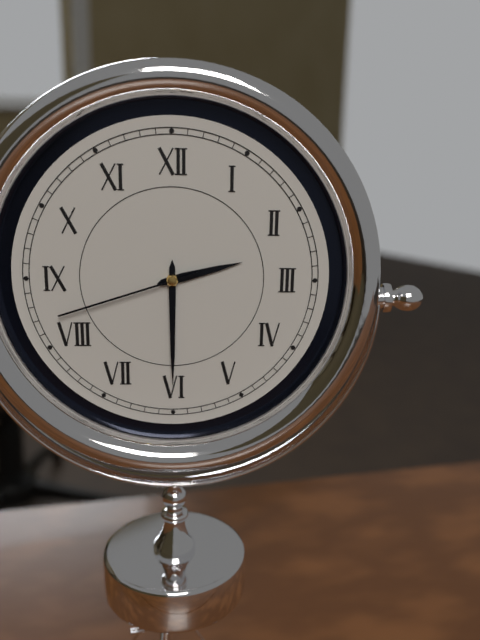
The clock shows h=2 m=30 s=42
